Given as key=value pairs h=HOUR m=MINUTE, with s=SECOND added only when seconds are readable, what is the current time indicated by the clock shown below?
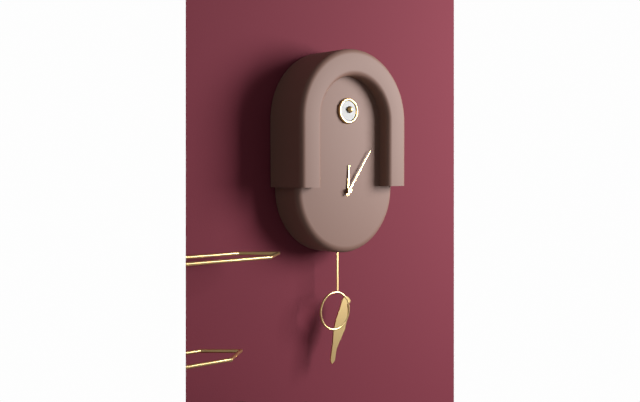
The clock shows h=12 m=6
